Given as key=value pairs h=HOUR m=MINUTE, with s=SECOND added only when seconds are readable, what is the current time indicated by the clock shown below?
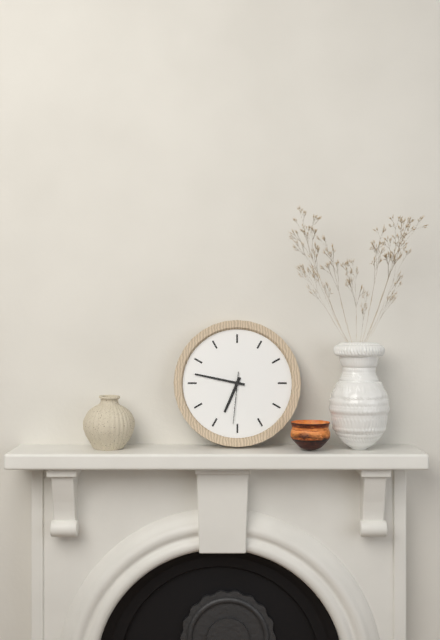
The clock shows h=6 m=47 s=31
